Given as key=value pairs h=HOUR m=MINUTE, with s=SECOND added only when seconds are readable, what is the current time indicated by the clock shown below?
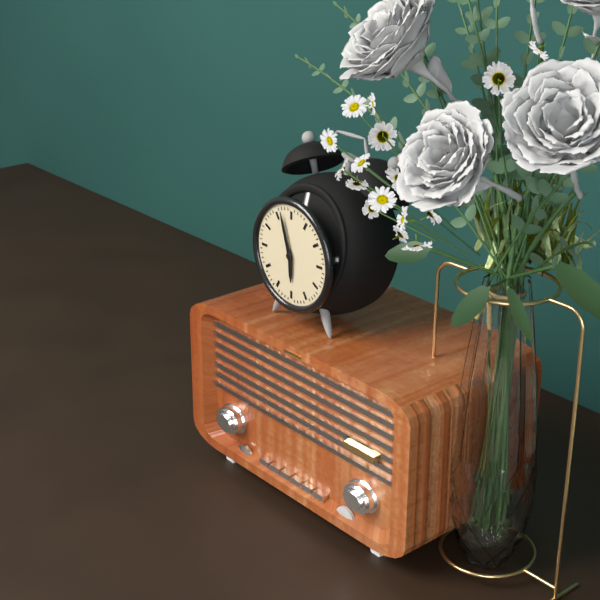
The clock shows h=5 m=57
